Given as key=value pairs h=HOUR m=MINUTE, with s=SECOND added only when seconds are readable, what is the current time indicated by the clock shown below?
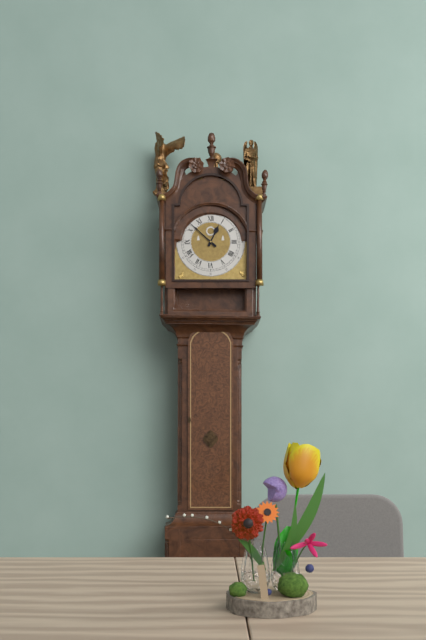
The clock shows h=12 m=52
